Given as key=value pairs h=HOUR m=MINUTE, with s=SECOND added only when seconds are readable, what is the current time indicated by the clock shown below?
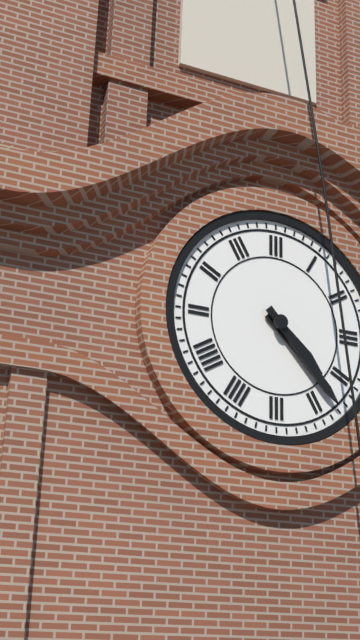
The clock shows h=4 m=23
